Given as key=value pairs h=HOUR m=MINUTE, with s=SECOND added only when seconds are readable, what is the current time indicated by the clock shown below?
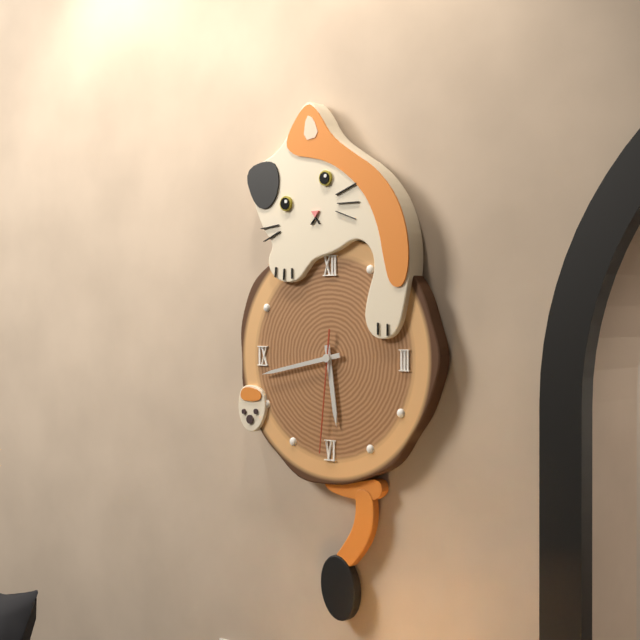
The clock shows h=5 m=43 s=31
